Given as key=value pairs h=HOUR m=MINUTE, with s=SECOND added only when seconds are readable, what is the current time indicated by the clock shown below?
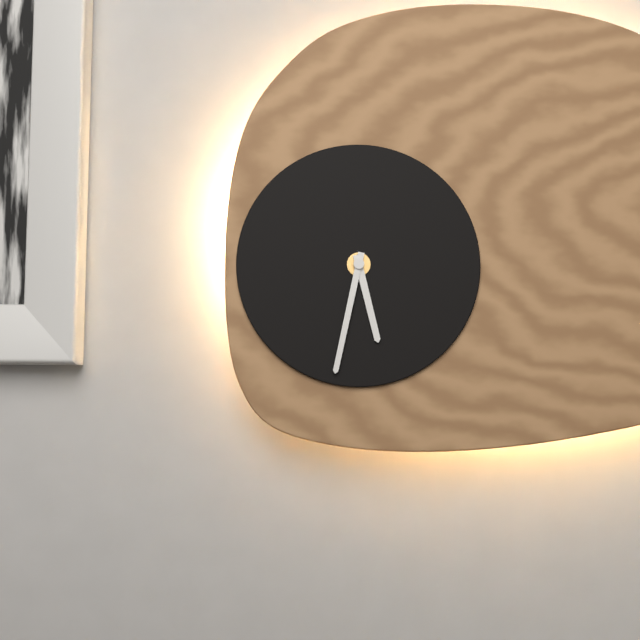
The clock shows h=5 m=32
